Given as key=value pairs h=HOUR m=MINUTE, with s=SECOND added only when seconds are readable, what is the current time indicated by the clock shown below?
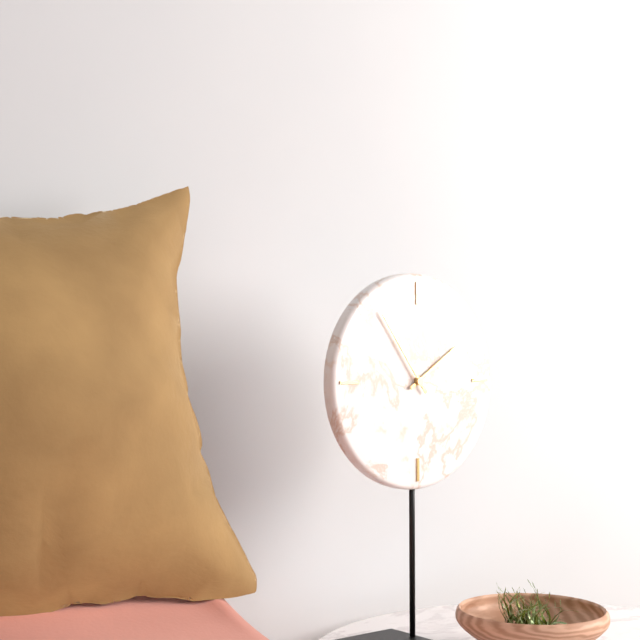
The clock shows h=1 m=54
